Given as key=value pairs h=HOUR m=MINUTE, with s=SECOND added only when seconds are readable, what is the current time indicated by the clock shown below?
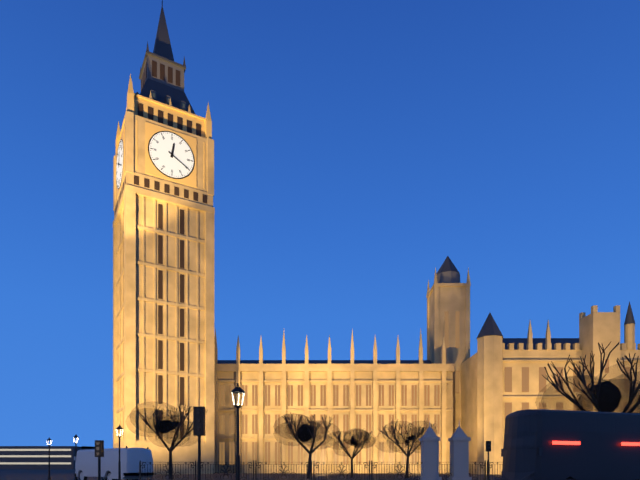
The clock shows h=12 m=20
